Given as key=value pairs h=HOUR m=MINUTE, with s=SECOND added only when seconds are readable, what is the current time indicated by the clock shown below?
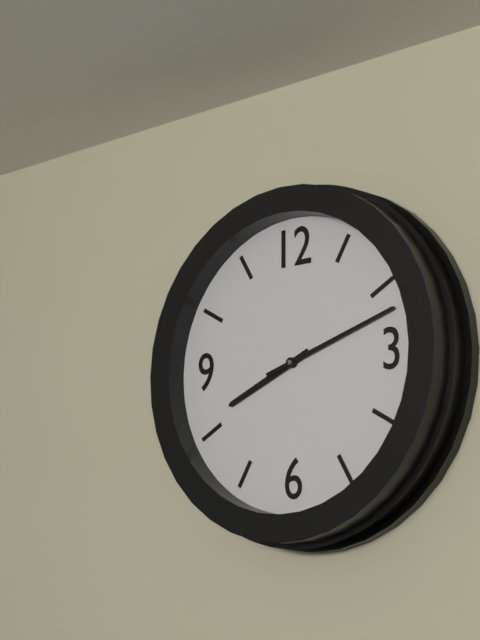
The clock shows h=8 m=12
